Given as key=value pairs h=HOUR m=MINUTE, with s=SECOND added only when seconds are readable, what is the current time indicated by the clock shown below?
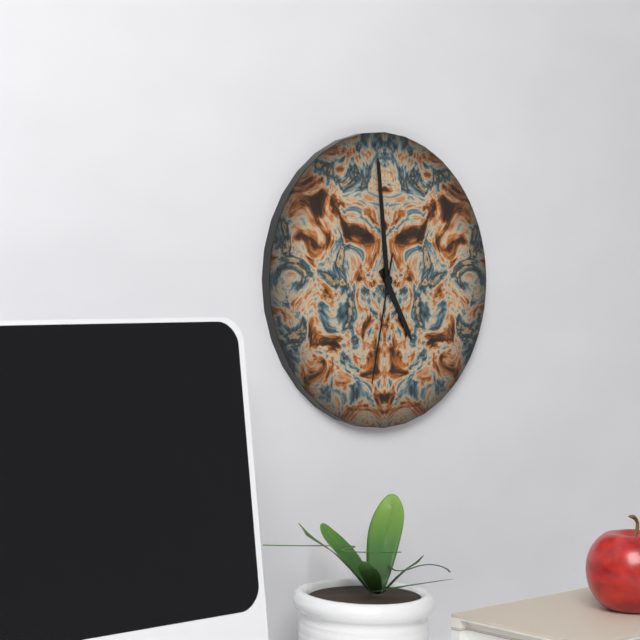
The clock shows h=4 m=59 s=32
